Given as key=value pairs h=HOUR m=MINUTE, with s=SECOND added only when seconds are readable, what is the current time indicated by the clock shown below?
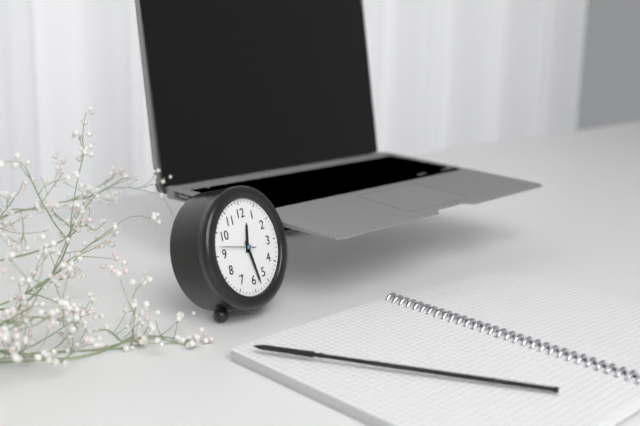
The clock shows h=12 m=28
